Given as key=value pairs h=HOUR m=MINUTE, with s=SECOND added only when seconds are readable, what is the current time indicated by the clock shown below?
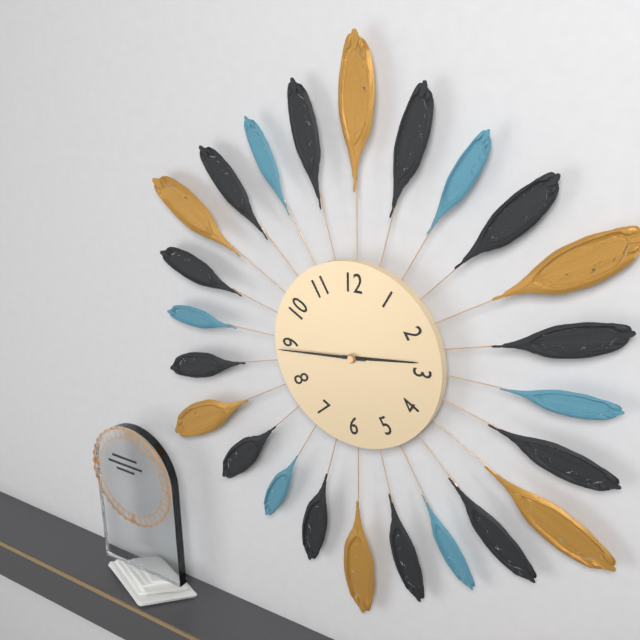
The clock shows h=2 m=44
